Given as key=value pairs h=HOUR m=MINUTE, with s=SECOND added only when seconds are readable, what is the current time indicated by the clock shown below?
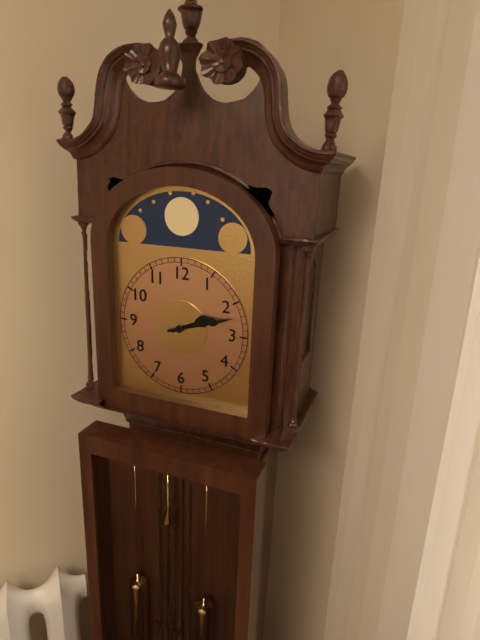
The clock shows h=2 m=12
